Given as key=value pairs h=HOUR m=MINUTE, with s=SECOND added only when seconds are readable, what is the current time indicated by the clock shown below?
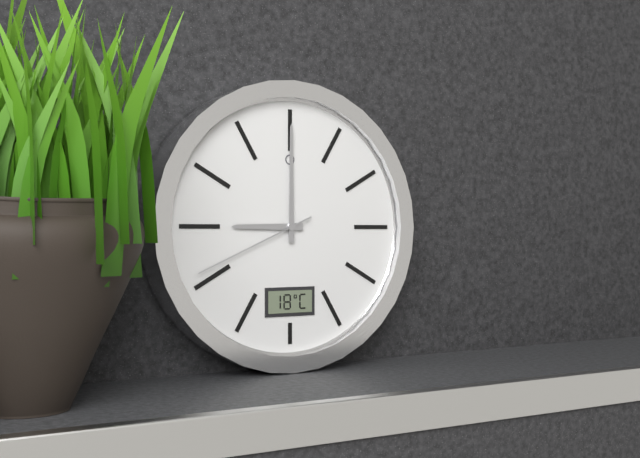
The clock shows h=9 m=0 s=41
